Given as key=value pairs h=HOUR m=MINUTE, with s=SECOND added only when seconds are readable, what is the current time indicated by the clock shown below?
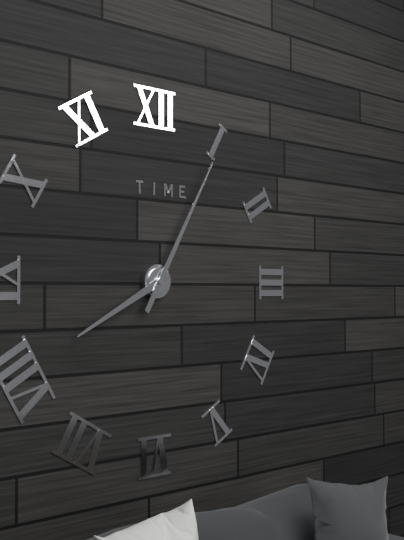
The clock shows h=8 m=5
